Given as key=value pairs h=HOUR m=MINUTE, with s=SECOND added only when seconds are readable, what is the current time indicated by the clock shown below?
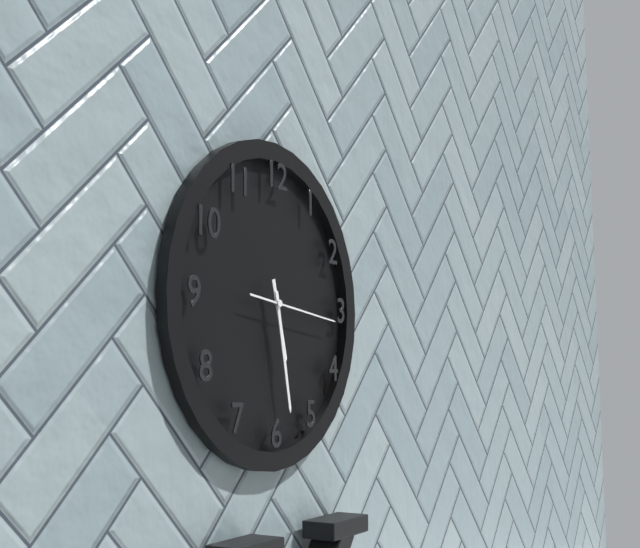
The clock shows h=5 m=28 s=16
